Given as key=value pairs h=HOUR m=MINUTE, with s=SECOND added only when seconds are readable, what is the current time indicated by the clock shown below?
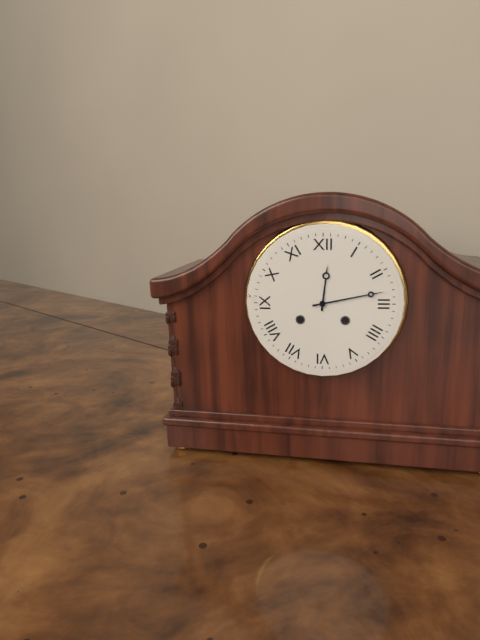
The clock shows h=12 m=13
